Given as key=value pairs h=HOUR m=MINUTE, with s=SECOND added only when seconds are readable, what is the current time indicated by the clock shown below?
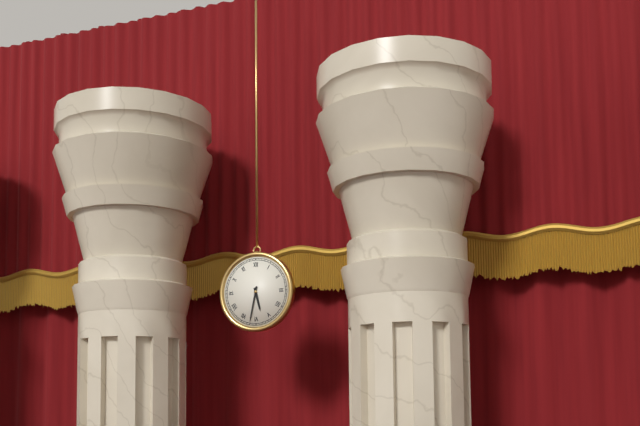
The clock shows h=5 m=32
